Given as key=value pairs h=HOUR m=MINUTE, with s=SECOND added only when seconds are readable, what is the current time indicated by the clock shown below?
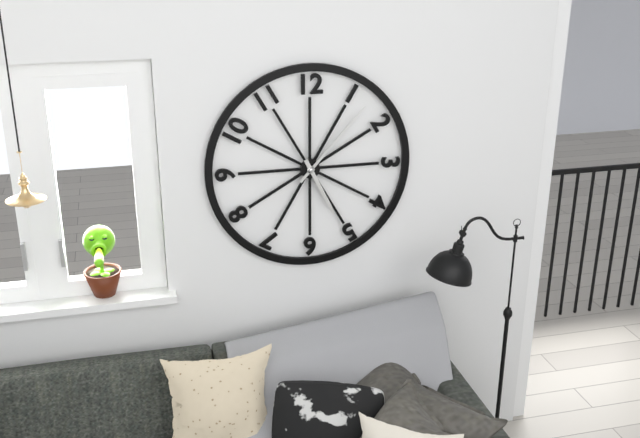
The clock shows h=5 m=7
